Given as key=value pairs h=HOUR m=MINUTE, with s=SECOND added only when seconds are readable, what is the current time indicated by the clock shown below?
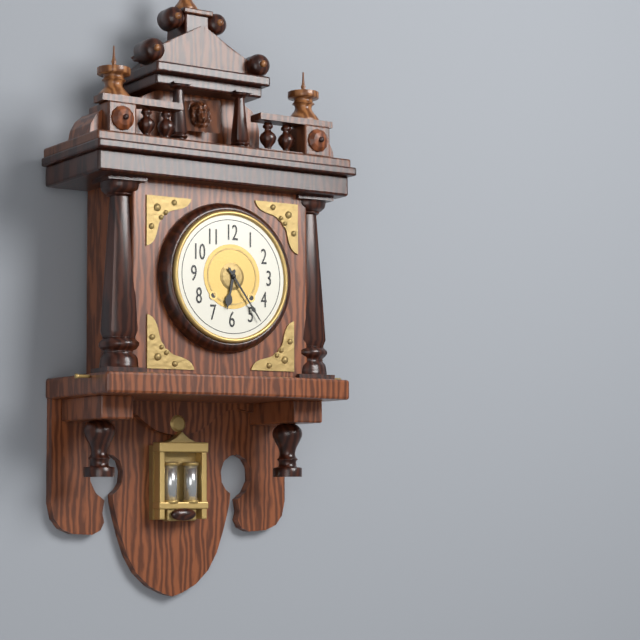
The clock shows h=6 m=24
